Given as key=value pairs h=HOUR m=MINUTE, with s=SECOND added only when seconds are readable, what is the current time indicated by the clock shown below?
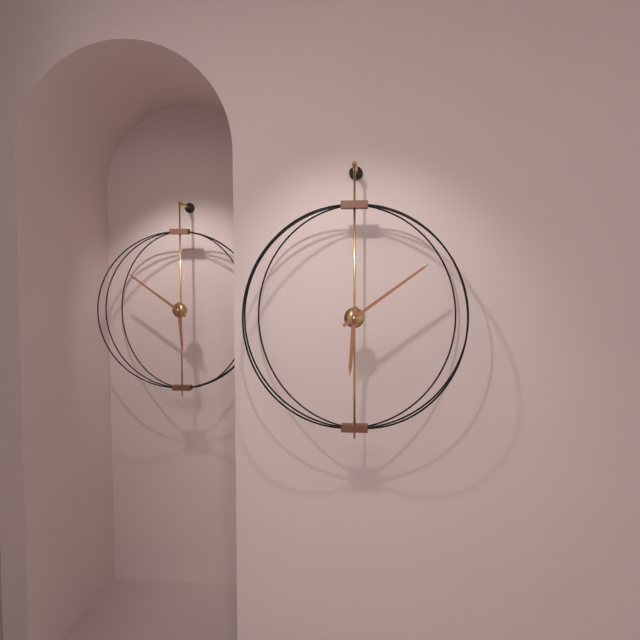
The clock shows h=6 m=9
